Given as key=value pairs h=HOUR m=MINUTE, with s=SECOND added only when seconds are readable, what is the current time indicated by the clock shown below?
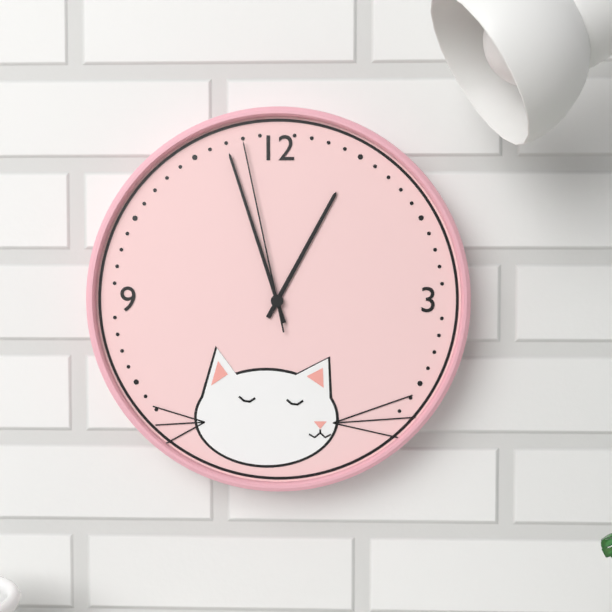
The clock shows h=12 m=57 s=58
